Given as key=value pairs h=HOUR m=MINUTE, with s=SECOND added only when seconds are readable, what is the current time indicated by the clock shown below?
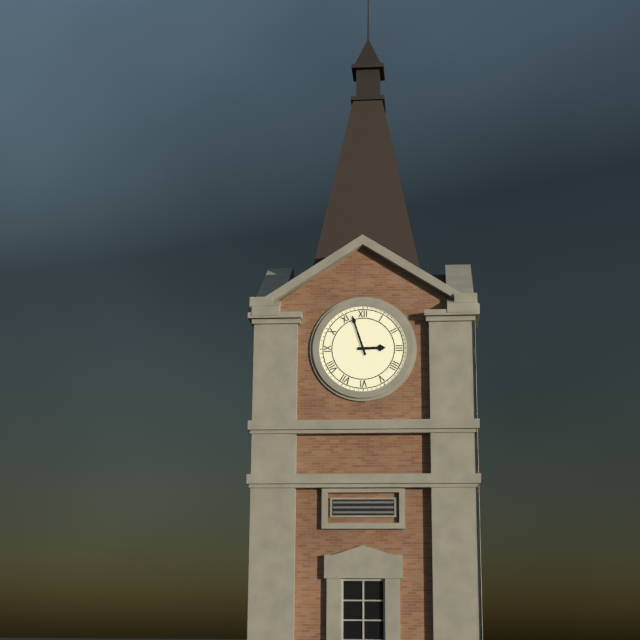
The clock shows h=2 m=57
